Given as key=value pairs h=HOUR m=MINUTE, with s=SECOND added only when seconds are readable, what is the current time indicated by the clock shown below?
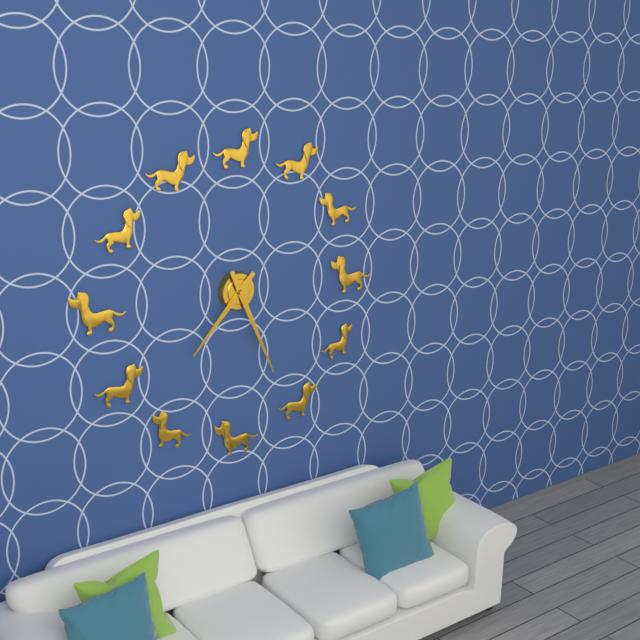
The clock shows h=7 m=26
